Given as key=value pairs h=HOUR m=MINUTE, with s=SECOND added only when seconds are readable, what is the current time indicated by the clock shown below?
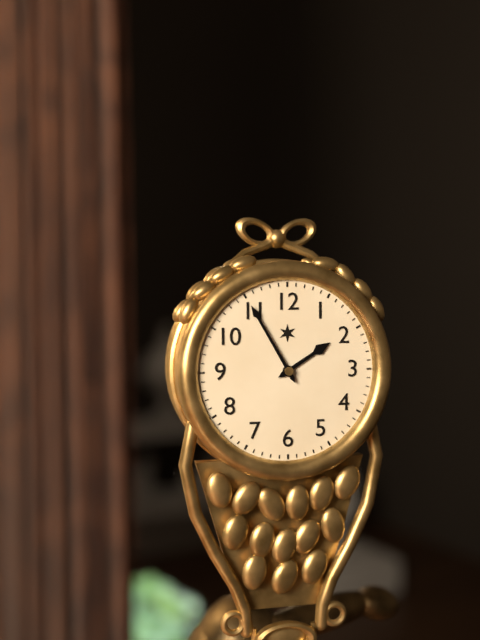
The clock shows h=1 m=55
